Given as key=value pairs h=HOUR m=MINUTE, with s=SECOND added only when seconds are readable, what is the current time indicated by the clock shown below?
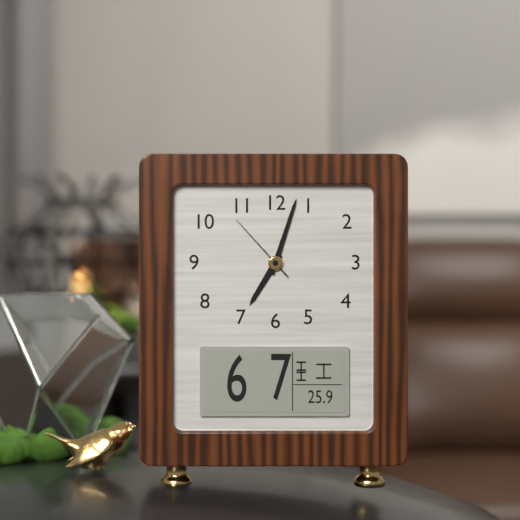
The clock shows h=7 m=3 s=53
